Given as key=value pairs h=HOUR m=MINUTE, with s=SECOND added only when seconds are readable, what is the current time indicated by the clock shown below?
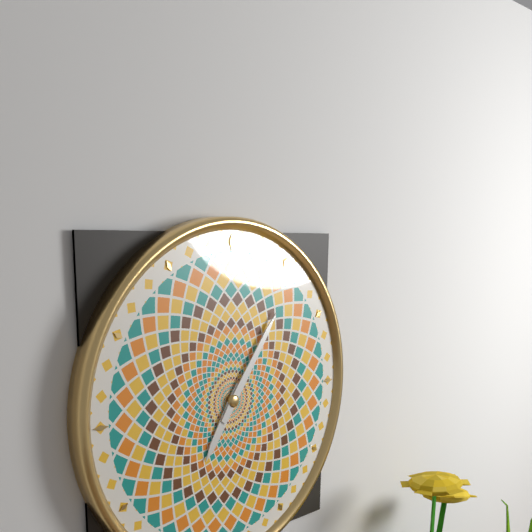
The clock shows h=7 m=6
